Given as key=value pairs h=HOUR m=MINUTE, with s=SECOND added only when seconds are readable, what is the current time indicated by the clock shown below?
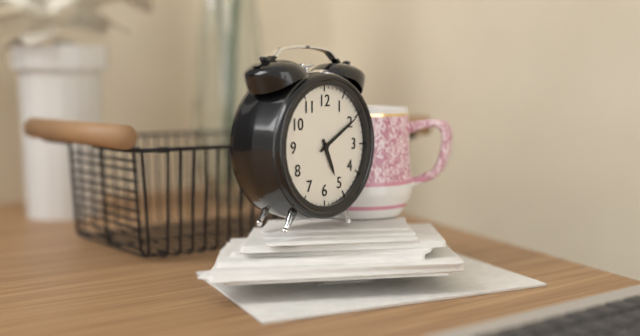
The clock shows h=5 m=10
